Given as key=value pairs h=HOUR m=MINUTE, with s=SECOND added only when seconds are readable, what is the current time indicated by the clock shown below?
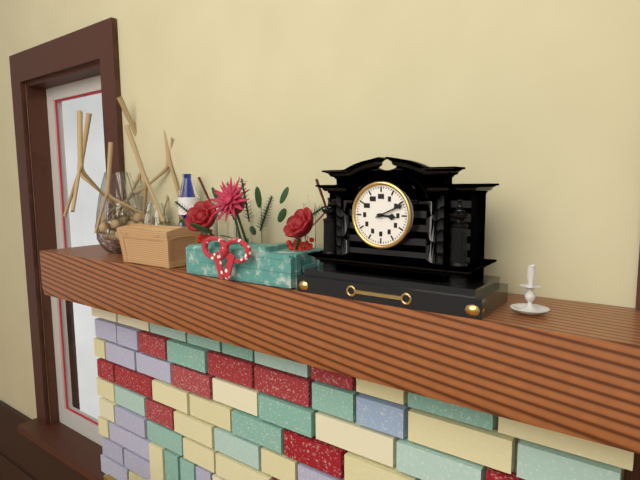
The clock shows h=3 m=11
